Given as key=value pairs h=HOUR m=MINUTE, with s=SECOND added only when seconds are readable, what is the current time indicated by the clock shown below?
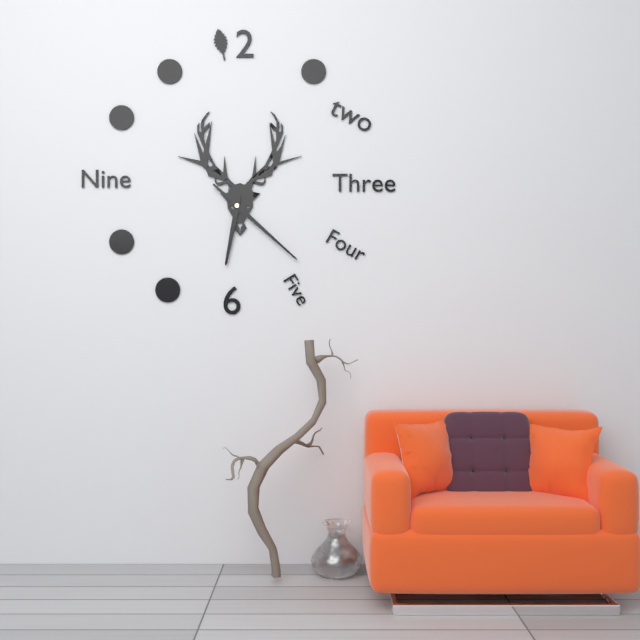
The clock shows h=6 m=22
